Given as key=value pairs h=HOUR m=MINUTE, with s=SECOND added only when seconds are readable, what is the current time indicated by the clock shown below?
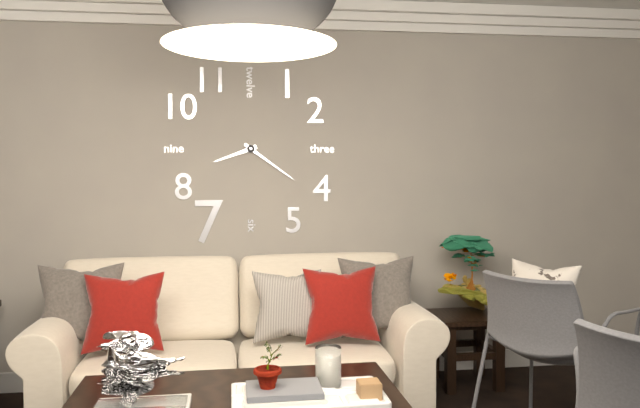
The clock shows h=8 m=21
